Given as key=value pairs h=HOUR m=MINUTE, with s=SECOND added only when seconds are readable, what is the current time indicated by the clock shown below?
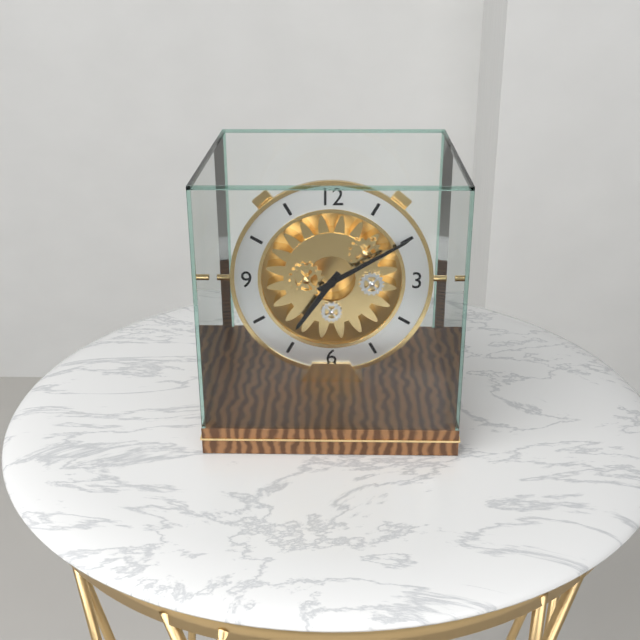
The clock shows h=7 m=10
